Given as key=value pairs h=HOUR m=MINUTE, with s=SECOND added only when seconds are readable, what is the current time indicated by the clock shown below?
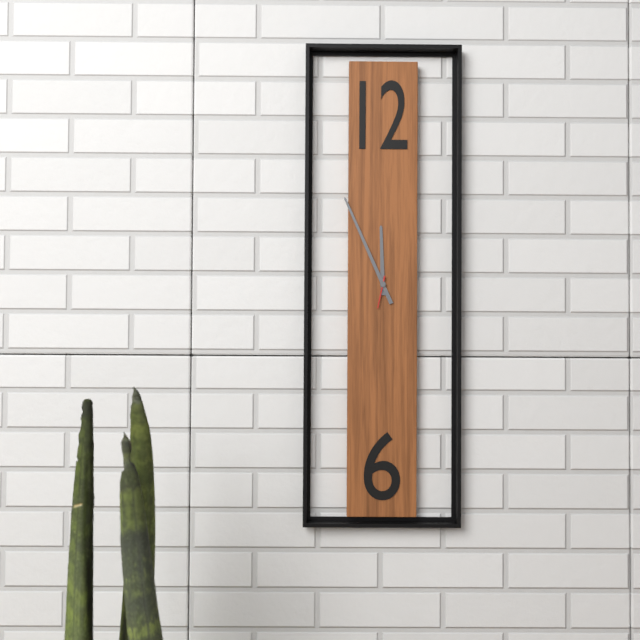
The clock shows h=11 m=56
